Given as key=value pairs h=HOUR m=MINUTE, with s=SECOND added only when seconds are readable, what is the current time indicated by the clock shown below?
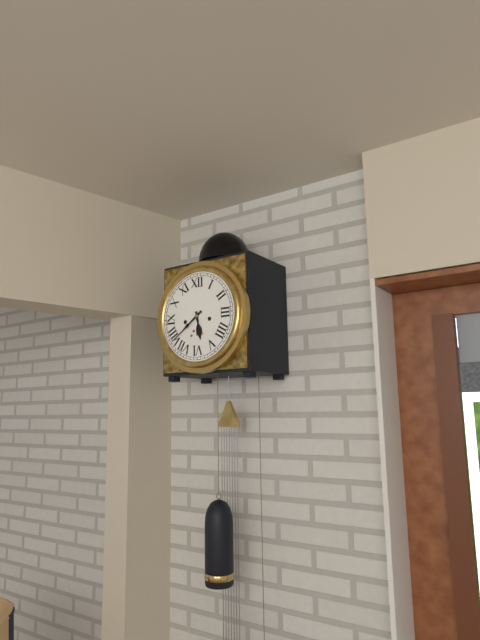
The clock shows h=5 m=39
